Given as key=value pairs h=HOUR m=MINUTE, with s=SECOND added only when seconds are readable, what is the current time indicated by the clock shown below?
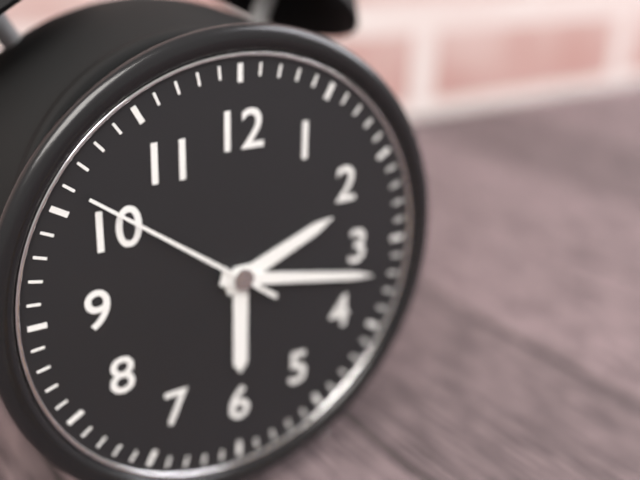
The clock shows h=2 m=17 s=51
